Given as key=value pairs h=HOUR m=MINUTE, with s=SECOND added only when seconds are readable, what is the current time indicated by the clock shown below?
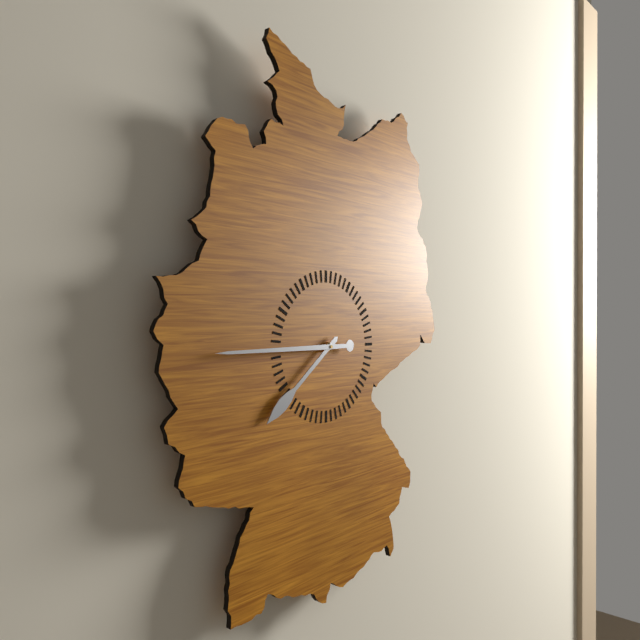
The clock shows h=7 m=45
